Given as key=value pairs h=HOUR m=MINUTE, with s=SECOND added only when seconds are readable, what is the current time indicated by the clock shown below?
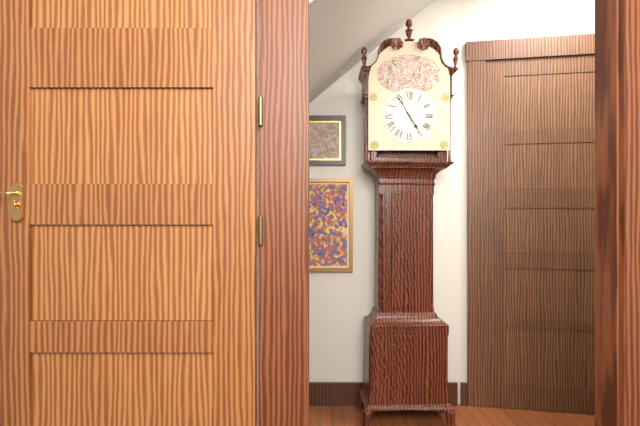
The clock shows h=4 m=55
